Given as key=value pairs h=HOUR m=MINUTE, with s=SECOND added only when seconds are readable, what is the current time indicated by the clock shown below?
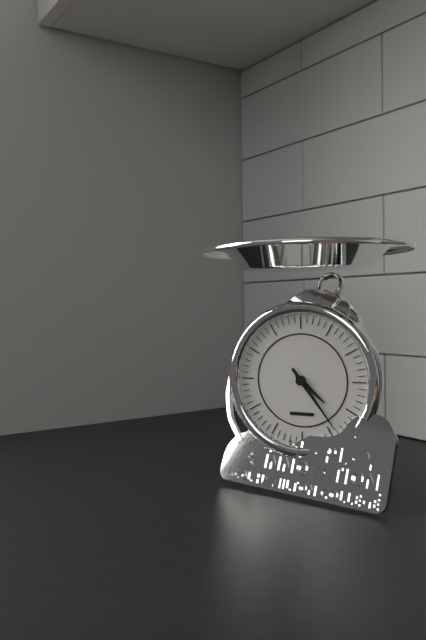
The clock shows h=4 m=24
